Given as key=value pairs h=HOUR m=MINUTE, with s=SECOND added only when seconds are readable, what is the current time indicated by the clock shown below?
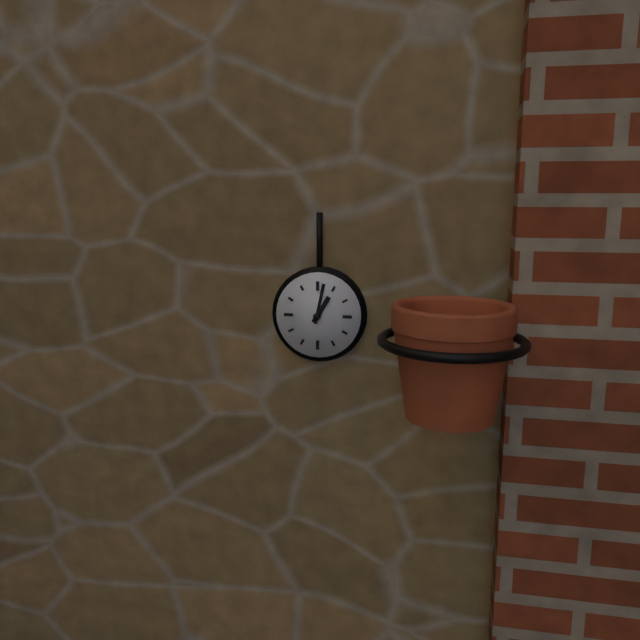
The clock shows h=1 m=2
